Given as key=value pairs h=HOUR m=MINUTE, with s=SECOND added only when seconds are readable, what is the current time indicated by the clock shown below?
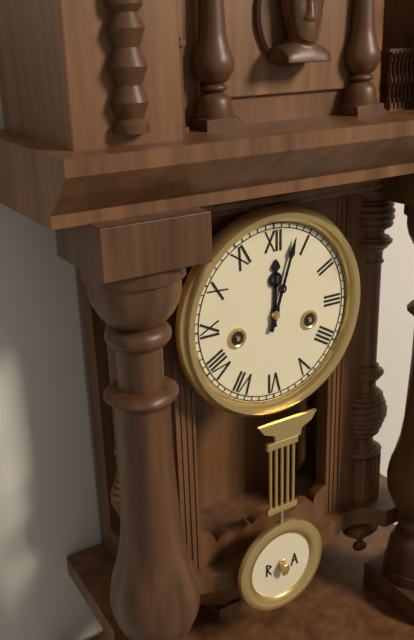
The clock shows h=12 m=3
